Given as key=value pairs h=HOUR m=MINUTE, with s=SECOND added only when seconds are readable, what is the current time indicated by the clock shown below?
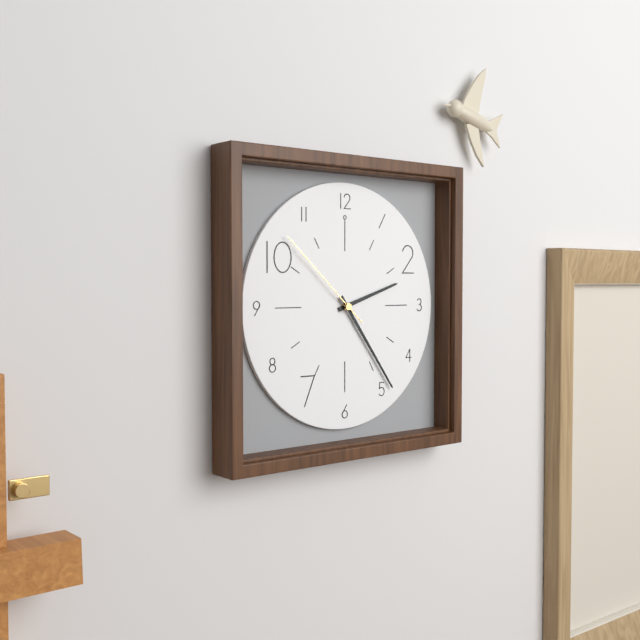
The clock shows h=2 m=24 s=52
